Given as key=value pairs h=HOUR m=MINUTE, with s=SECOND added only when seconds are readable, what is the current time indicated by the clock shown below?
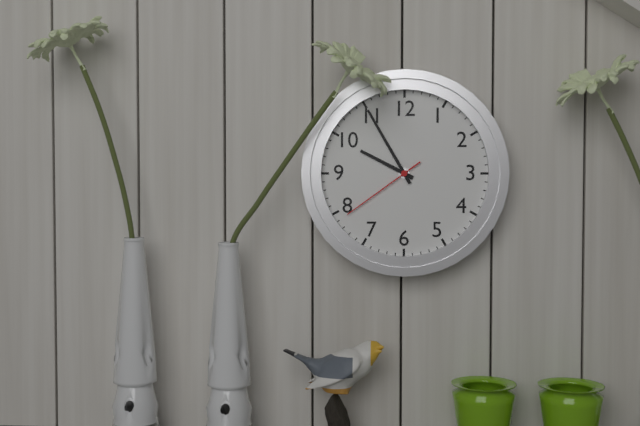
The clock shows h=9 m=55 s=39
